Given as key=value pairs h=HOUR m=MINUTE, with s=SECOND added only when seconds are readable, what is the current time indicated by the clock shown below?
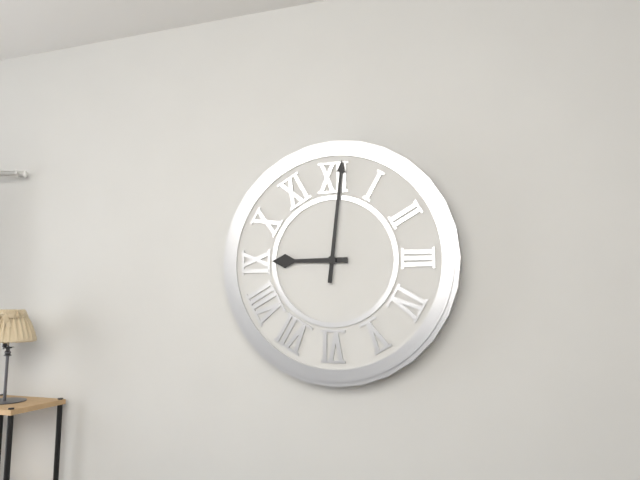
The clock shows h=9 m=1
